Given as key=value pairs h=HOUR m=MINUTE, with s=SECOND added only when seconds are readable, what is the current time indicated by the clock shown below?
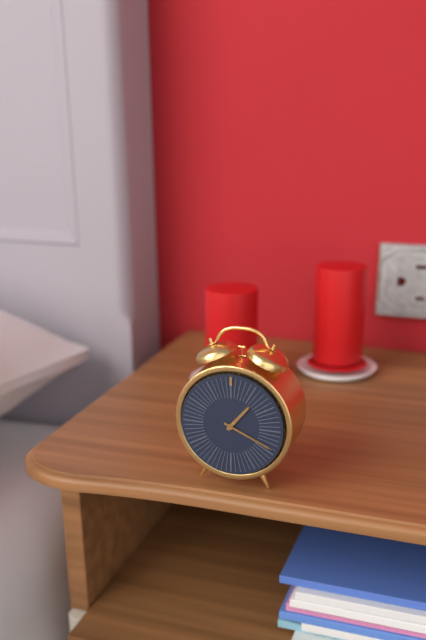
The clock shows h=1 m=19
